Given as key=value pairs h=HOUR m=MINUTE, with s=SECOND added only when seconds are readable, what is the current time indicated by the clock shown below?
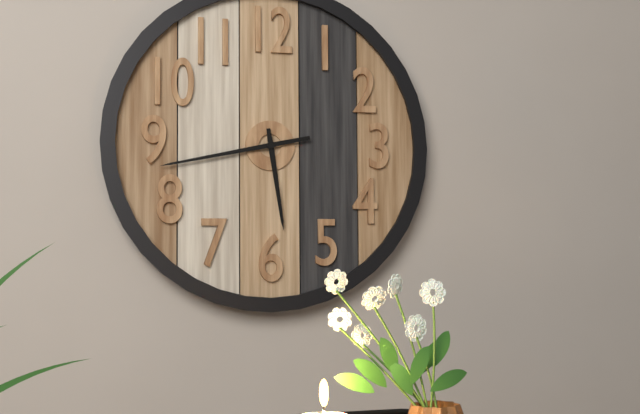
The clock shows h=5 m=43
